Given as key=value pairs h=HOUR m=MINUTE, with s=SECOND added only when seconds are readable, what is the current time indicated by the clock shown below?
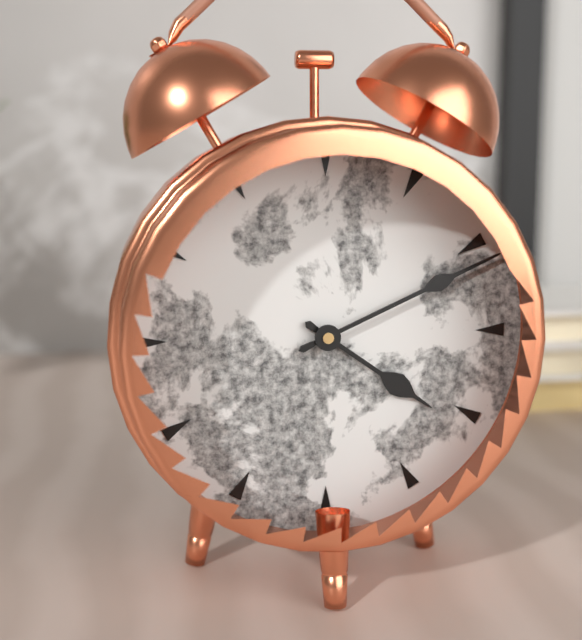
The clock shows h=4 m=11
